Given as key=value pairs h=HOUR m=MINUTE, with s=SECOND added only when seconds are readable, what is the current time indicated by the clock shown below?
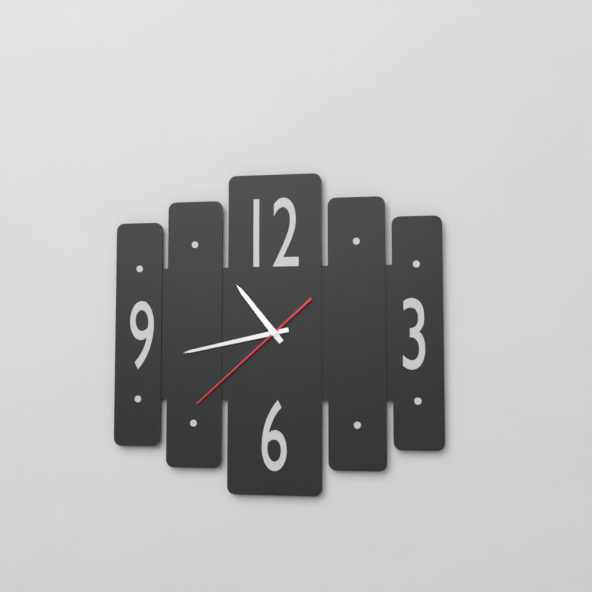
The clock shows h=10 m=43 s=38
